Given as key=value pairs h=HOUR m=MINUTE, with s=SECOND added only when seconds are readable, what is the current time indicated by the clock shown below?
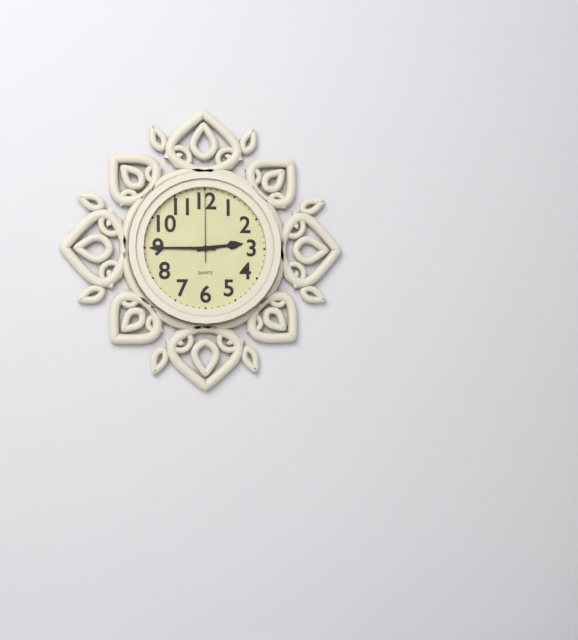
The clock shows h=2 m=45 s=0
